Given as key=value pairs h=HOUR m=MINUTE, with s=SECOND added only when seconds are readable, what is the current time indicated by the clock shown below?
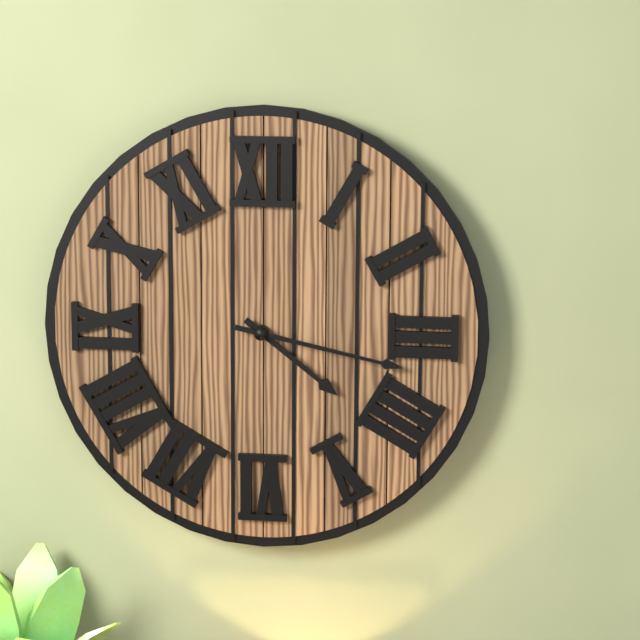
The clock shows h=4 m=17
